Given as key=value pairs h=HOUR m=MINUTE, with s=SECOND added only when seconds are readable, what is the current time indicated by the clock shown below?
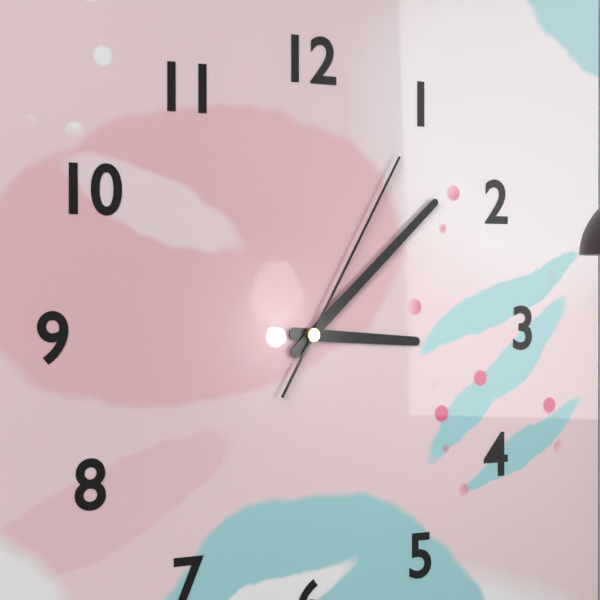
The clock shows h=3 m=8 s=5
